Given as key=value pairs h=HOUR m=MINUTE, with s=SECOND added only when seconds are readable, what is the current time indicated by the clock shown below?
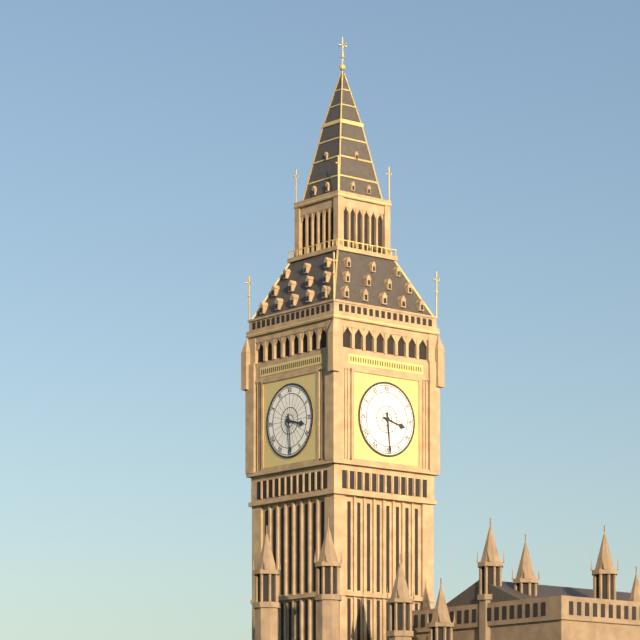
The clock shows h=3 m=29
